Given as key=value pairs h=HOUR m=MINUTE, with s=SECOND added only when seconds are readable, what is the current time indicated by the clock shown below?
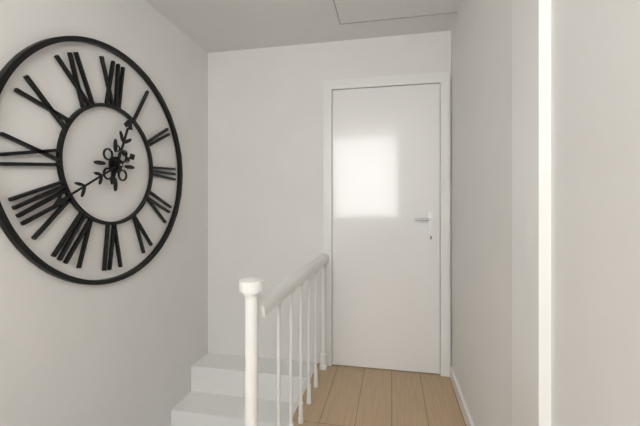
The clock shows h=12 m=40
